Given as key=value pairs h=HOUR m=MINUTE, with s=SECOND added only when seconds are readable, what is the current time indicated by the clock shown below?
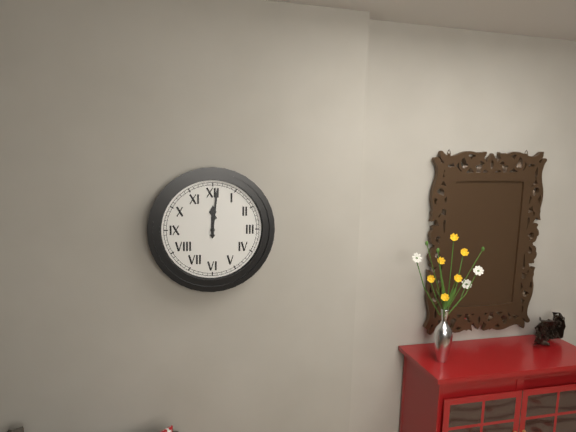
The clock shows h=12 m=1
